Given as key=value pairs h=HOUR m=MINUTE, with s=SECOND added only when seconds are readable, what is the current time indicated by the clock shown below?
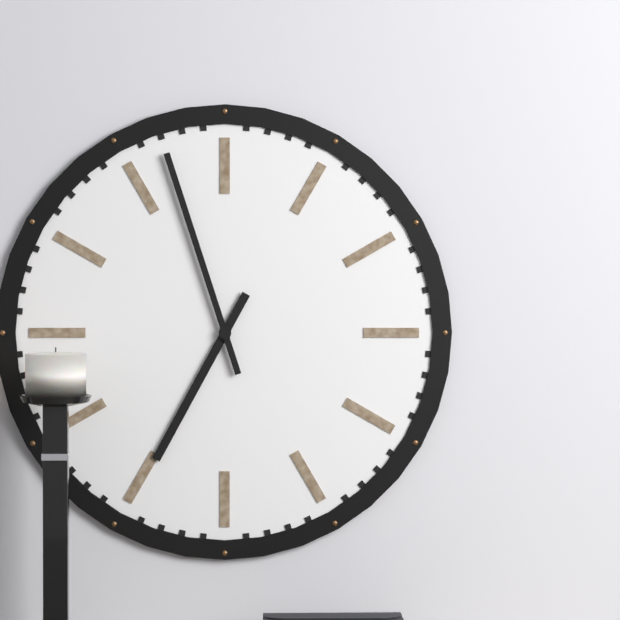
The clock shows h=6 m=57
